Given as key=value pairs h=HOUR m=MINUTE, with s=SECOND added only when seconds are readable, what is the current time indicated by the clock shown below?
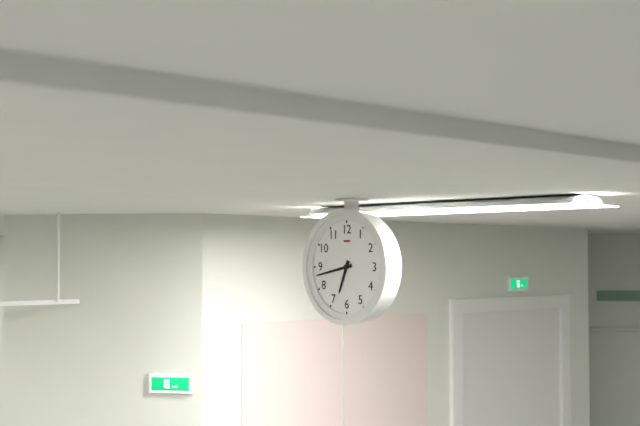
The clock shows h=6 m=43
